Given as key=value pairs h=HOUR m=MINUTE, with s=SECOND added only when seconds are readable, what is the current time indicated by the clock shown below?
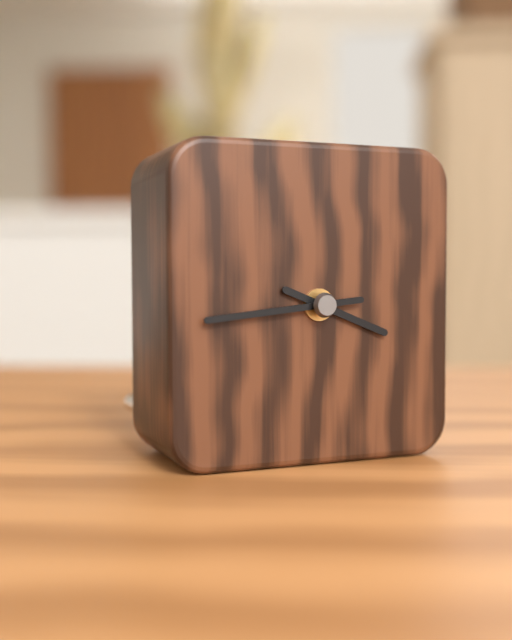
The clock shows h=3 m=44
